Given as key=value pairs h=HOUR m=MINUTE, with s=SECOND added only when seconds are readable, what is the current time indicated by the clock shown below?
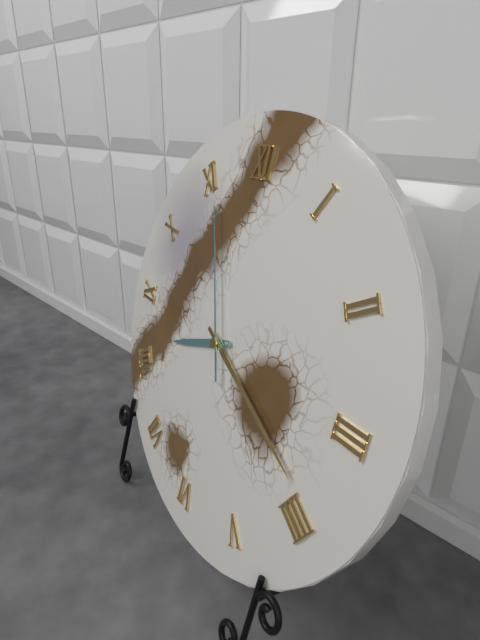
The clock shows h=8 m=19 s=56
